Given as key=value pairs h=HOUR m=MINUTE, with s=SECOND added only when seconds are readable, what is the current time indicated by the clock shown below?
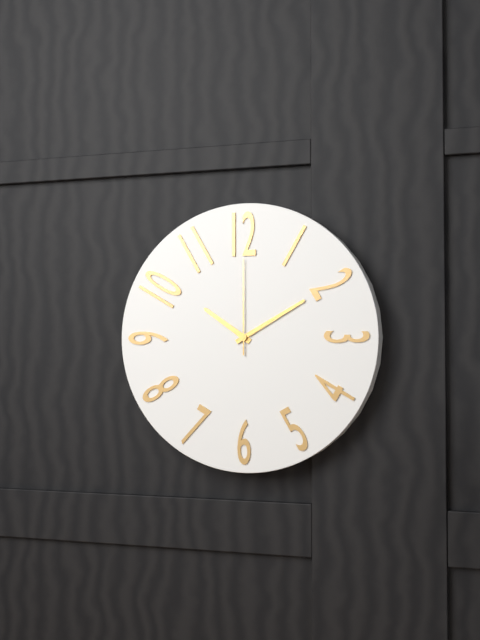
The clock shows h=10 m=10 s=0
